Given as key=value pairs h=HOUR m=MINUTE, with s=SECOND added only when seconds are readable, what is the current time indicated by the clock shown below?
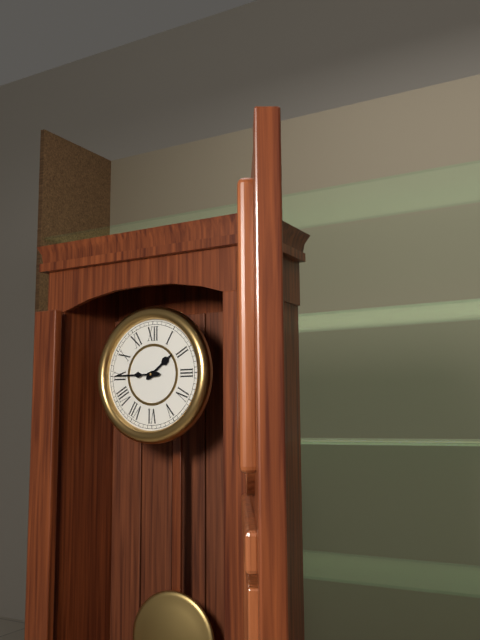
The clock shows h=1 m=45
